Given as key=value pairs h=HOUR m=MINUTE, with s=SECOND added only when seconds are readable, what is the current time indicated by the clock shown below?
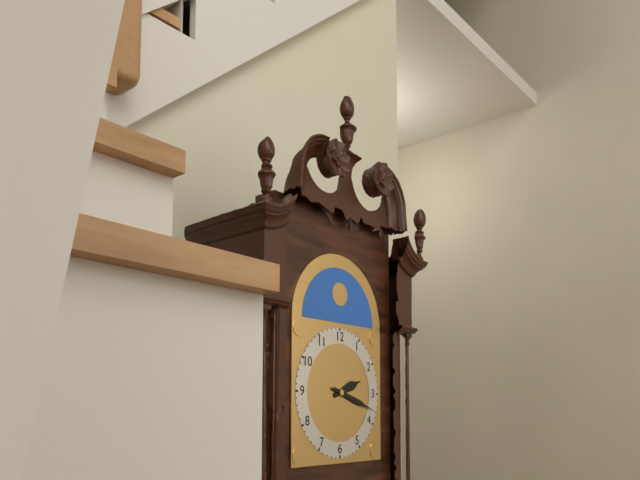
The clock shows h=2 m=18
